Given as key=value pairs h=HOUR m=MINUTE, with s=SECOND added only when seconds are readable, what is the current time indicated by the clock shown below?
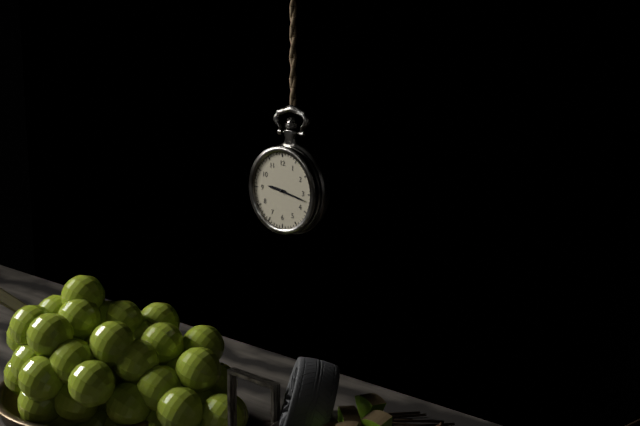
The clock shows h=9 m=17
